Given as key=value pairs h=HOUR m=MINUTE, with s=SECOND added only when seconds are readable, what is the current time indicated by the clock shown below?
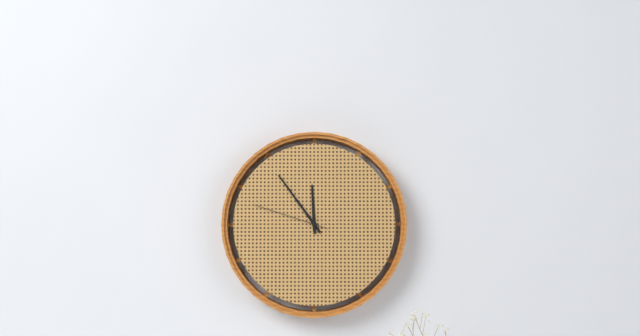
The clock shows h=11 m=54 s=48
